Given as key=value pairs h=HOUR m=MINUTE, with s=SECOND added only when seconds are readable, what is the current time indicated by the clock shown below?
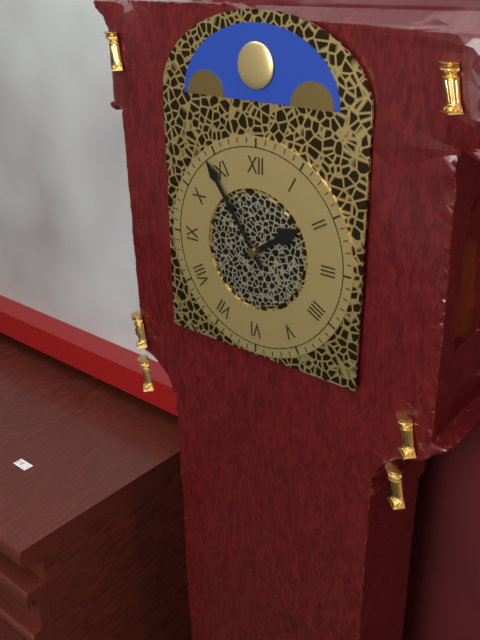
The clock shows h=1 m=54
